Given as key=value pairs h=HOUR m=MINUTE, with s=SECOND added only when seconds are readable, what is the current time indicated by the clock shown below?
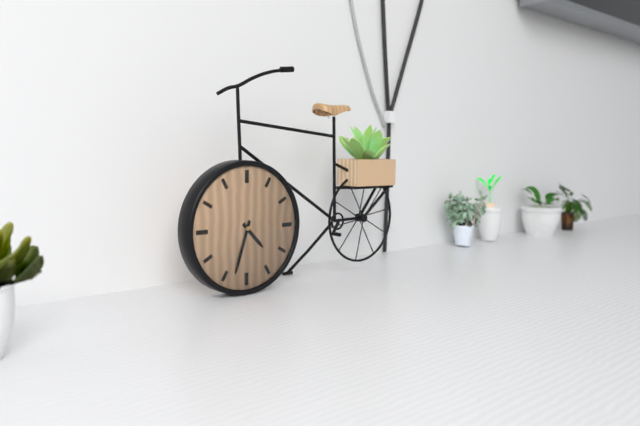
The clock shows h=4 m=33
